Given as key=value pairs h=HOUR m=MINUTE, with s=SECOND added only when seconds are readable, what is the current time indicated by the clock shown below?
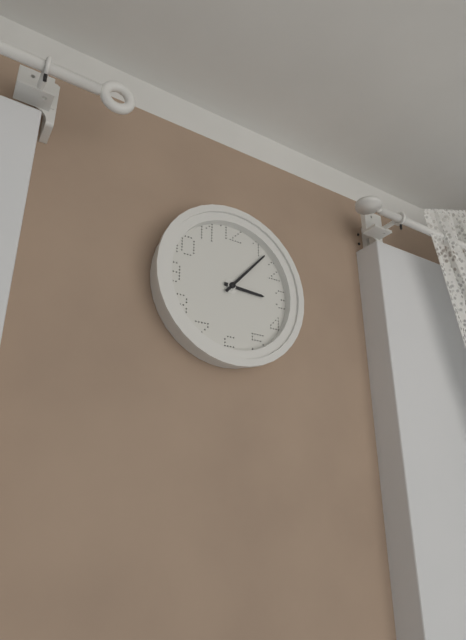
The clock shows h=3 m=7
